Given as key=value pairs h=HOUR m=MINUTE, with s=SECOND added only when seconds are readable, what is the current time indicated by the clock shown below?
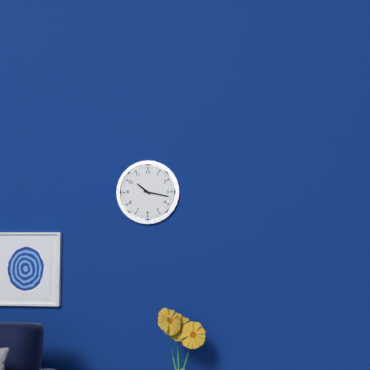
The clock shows h=10 m=17
